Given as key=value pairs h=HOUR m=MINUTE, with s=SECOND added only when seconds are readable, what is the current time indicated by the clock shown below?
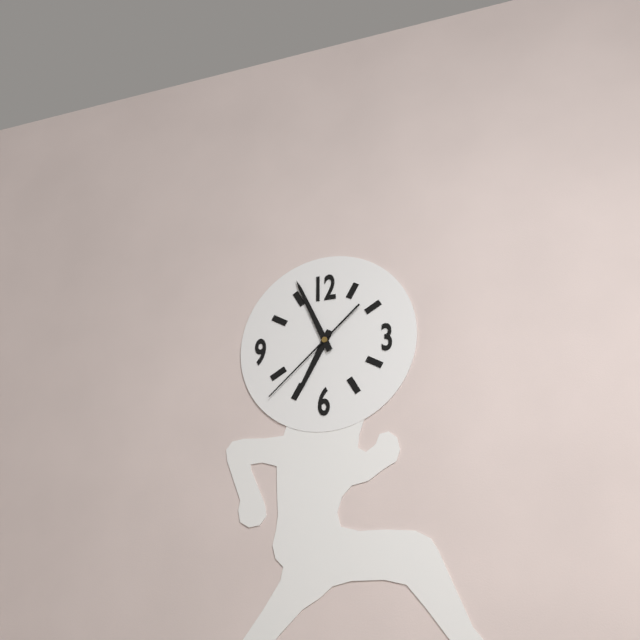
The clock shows h=6 m=56 s=38
